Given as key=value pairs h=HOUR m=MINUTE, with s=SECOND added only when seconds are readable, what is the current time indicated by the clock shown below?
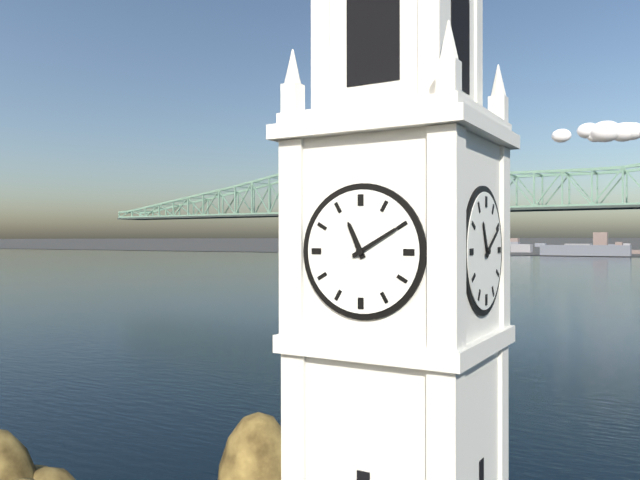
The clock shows h=11 m=10
